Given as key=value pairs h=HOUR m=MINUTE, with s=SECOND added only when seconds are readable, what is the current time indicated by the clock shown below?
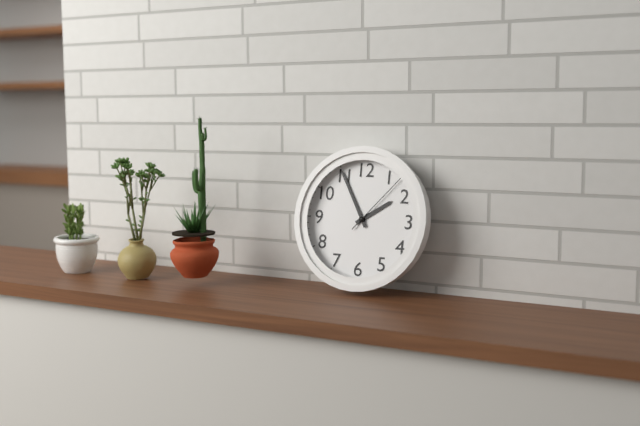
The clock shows h=1 m=55 s=7
